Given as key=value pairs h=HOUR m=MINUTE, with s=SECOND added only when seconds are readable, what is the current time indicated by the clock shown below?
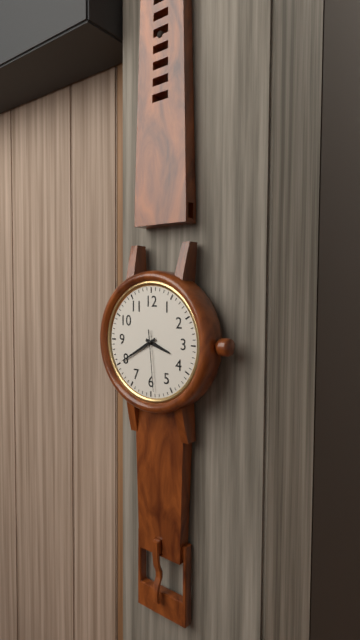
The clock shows h=3 m=40 s=29
